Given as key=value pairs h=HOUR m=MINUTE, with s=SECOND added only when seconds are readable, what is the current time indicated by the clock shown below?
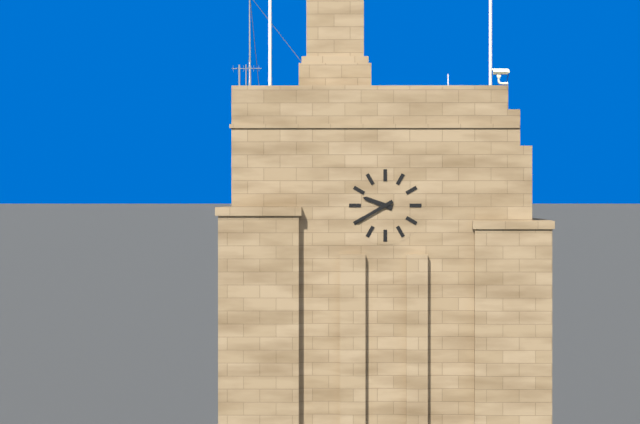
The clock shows h=9 m=40
